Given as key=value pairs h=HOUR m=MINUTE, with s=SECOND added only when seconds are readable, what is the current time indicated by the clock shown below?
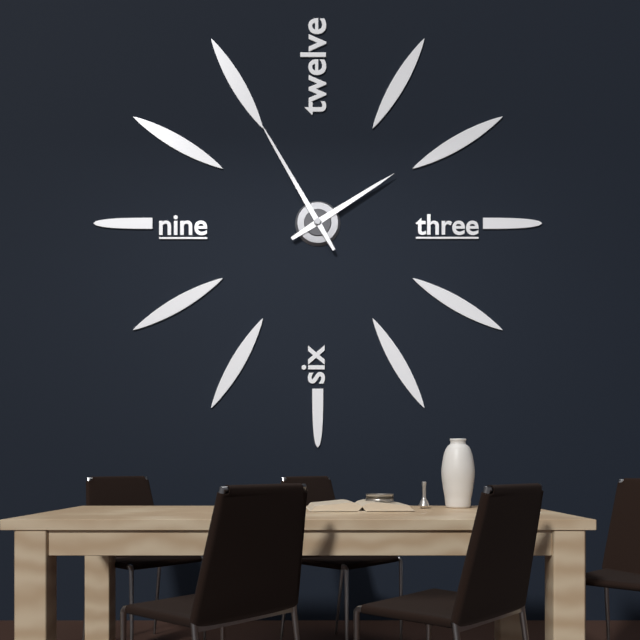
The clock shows h=1 m=55
